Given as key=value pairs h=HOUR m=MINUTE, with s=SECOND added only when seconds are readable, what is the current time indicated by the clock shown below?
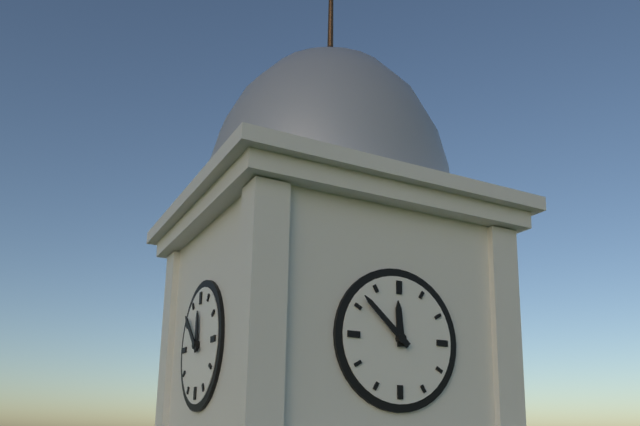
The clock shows h=11 m=52
